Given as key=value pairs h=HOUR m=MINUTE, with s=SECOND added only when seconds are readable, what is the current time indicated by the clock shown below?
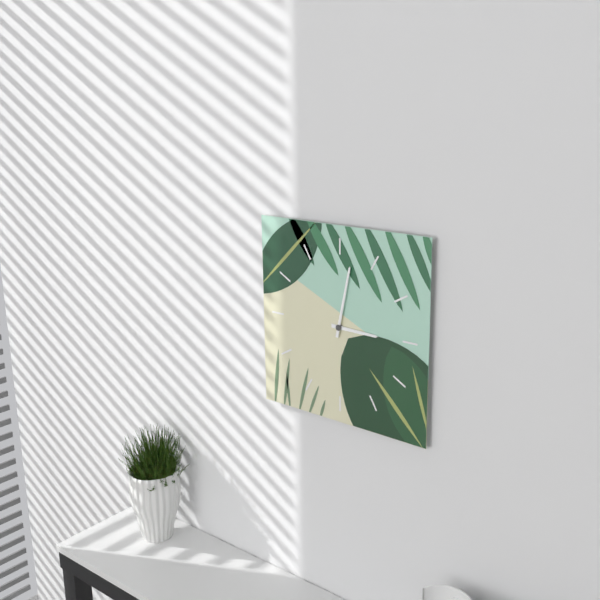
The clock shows h=3 m=2
